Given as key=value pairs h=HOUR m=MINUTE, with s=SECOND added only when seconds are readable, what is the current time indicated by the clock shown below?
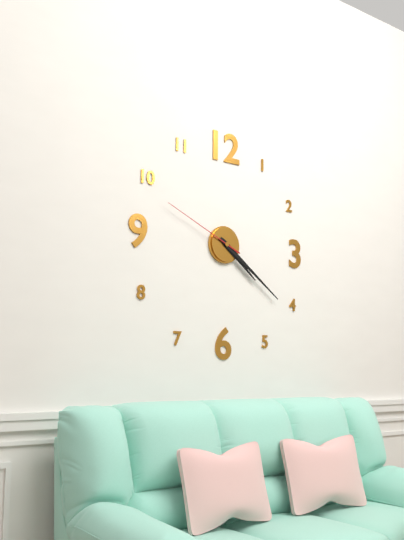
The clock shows h=4 m=21 s=49
